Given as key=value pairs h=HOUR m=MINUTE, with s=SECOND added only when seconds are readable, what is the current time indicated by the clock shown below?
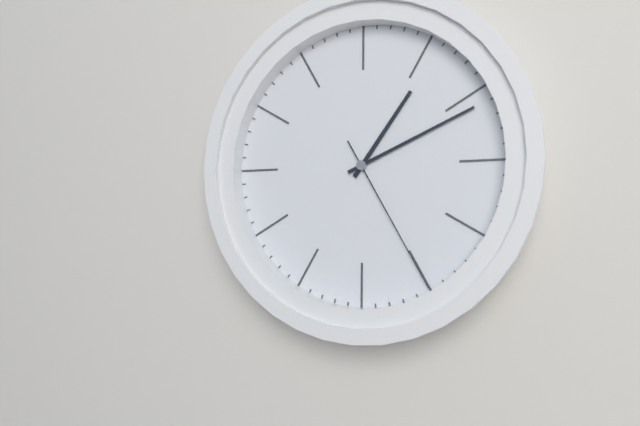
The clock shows h=1 m=11 s=25
